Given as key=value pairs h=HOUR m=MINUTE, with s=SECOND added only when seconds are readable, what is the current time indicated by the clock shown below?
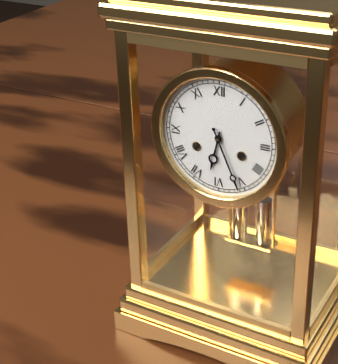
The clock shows h=6 m=26
